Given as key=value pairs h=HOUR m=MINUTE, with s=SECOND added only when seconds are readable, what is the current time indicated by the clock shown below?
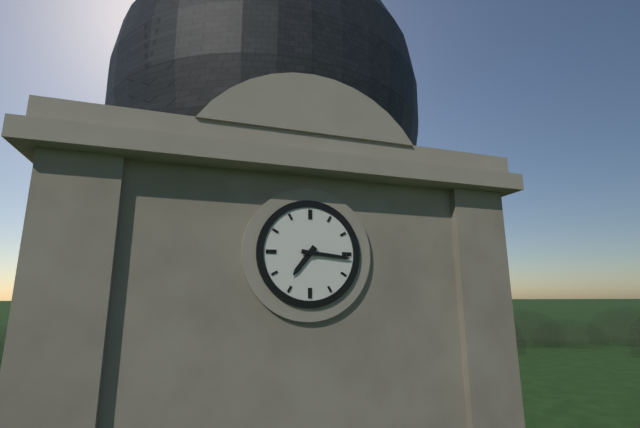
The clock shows h=7 m=16
